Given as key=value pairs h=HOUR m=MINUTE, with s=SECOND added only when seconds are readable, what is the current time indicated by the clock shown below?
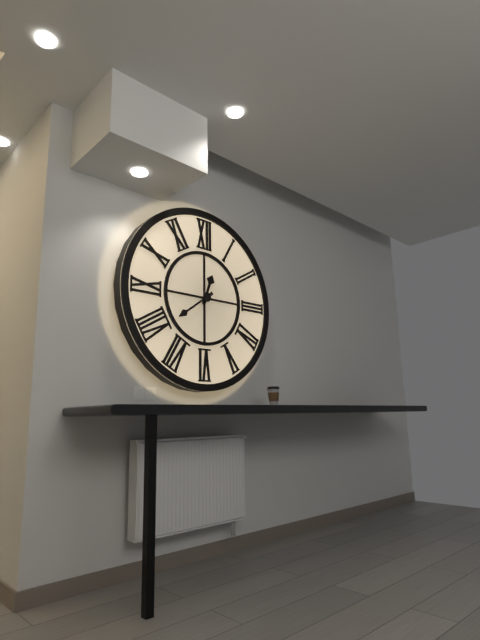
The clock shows h=12 m=39
